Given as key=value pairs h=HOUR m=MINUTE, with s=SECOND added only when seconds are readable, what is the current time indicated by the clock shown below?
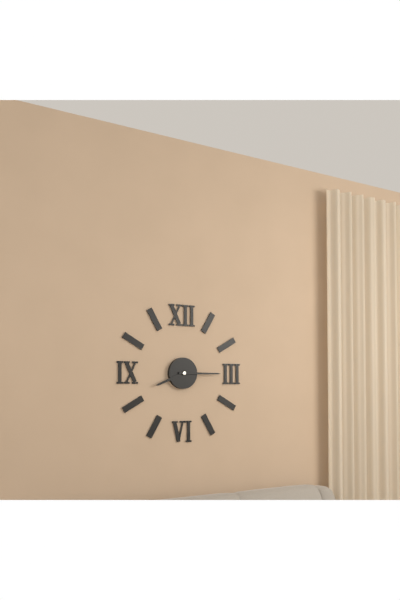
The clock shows h=8 m=15
